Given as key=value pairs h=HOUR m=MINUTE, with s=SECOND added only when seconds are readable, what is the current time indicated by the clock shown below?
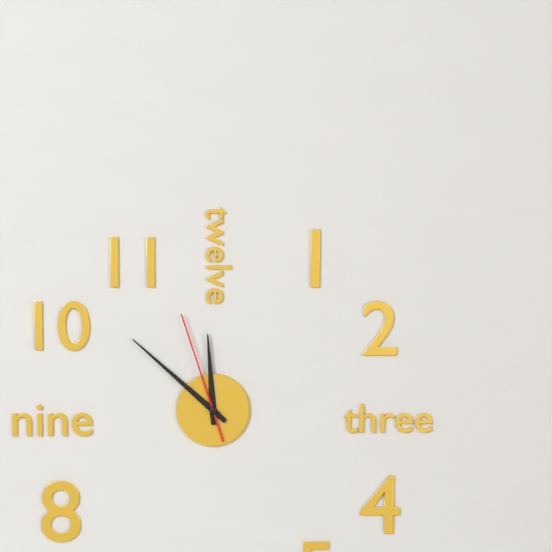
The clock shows h=11 m=52 s=57
